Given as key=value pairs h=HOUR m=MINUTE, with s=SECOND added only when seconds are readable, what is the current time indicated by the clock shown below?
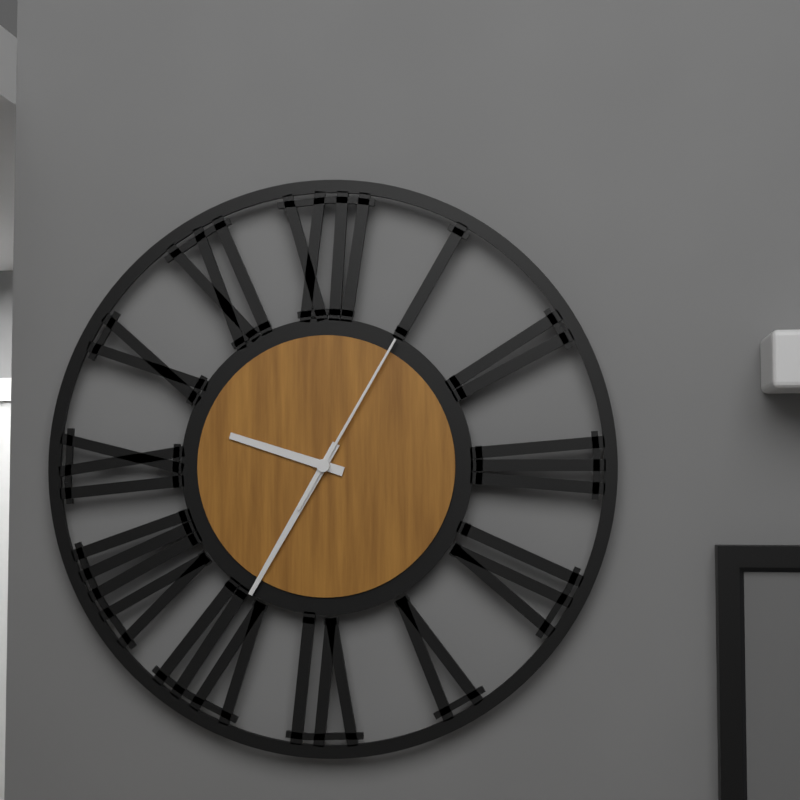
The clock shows h=9 m=35 s=5
